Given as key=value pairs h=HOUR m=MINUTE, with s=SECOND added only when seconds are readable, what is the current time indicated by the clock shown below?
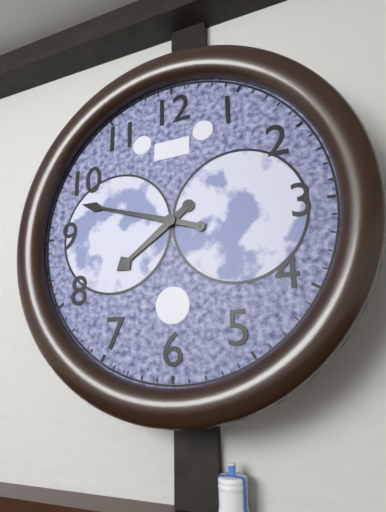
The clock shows h=7 m=48
